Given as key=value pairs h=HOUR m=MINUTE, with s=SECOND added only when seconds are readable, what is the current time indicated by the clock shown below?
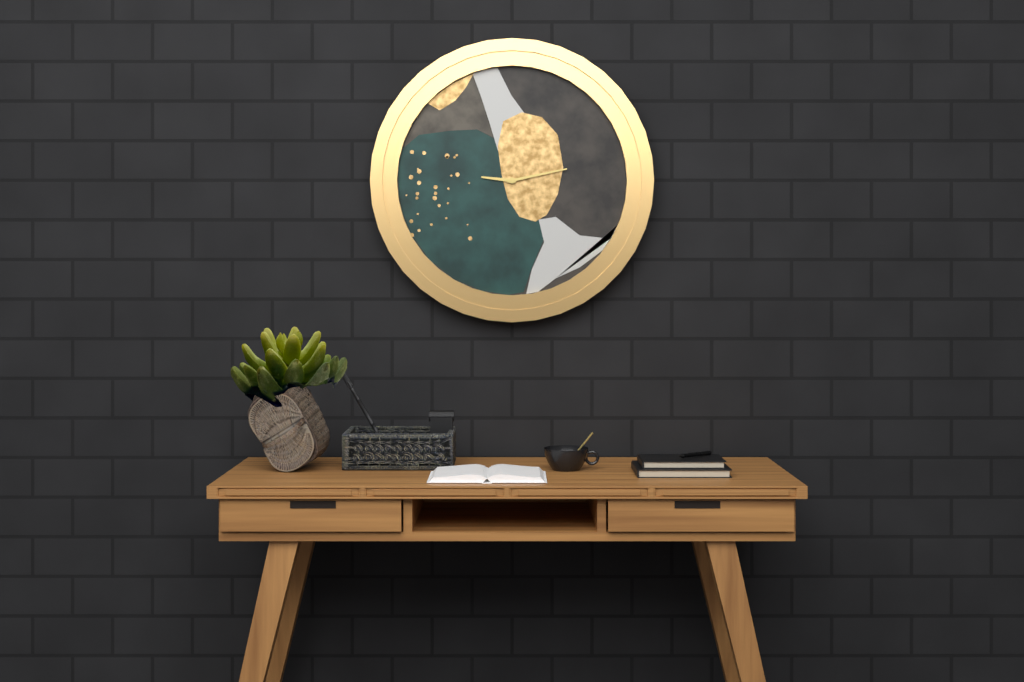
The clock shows h=9 m=13
